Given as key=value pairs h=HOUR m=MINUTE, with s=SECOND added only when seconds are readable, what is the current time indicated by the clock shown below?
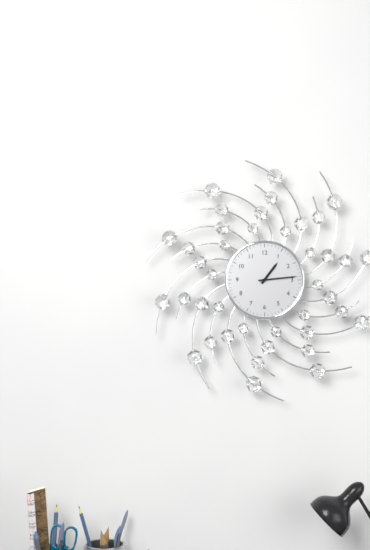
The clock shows h=1 m=14
